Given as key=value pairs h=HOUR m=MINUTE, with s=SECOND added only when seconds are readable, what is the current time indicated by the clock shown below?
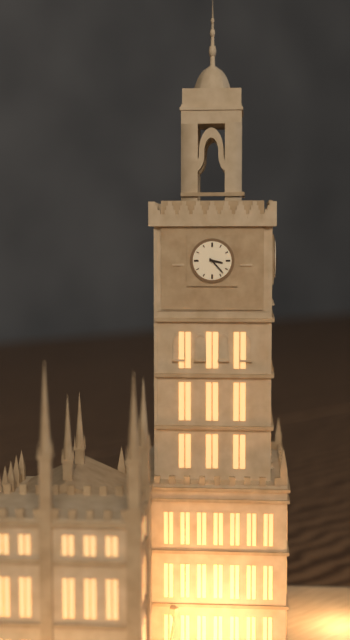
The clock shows h=3 m=23
